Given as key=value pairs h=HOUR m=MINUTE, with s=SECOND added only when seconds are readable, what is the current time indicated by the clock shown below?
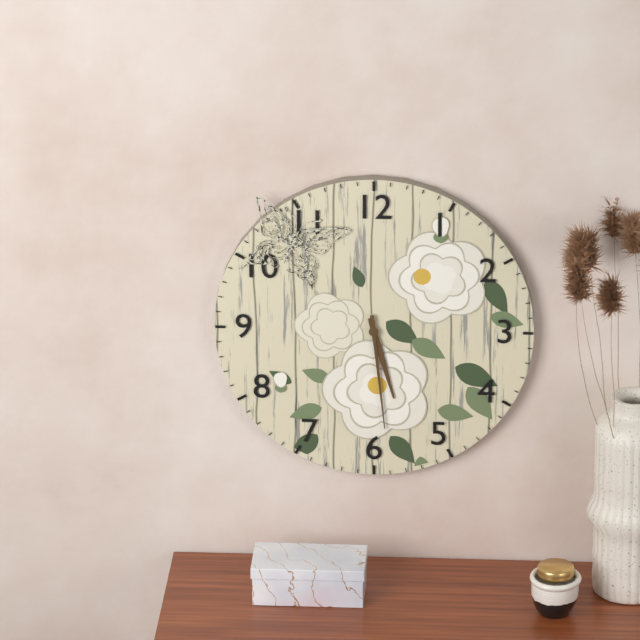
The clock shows h=5 m=29
